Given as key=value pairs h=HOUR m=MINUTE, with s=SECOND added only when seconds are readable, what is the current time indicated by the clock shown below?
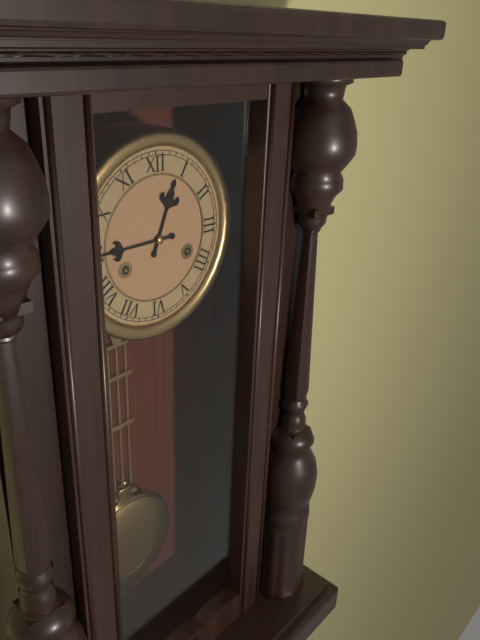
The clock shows h=12 m=45
